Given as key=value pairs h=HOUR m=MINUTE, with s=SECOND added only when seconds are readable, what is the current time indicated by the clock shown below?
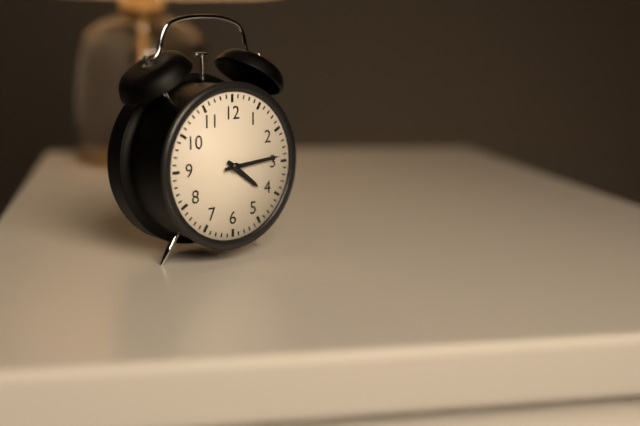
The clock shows h=4 m=14
